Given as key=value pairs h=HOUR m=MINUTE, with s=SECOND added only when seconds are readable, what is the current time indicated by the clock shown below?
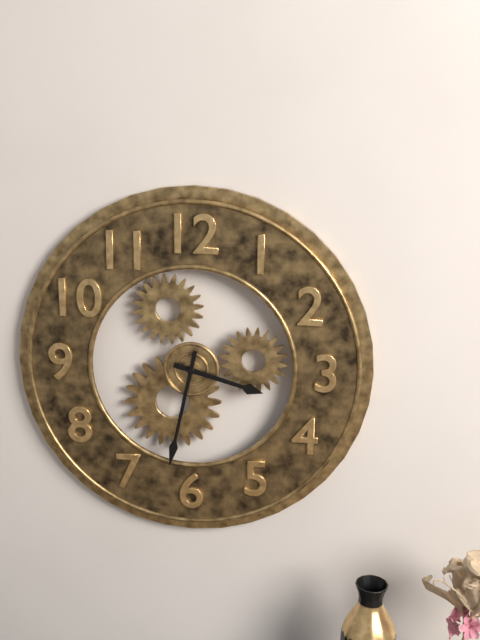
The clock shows h=3 m=32
